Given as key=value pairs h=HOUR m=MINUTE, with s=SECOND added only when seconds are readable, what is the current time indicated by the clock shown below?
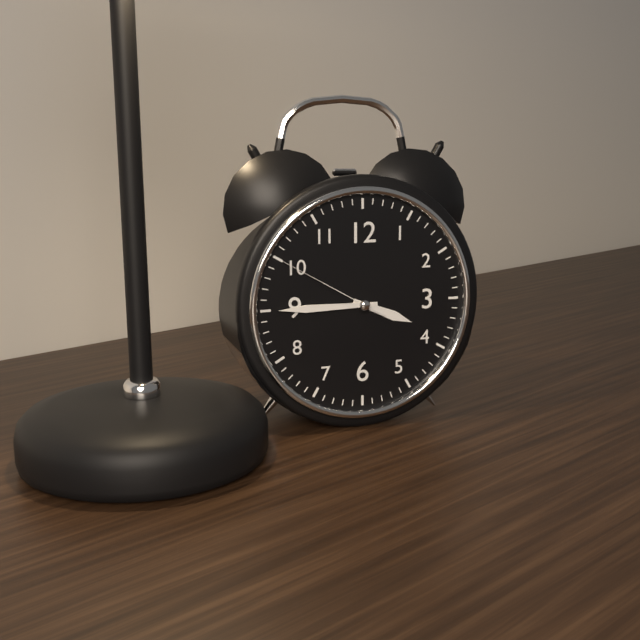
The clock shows h=3 m=45 s=50
